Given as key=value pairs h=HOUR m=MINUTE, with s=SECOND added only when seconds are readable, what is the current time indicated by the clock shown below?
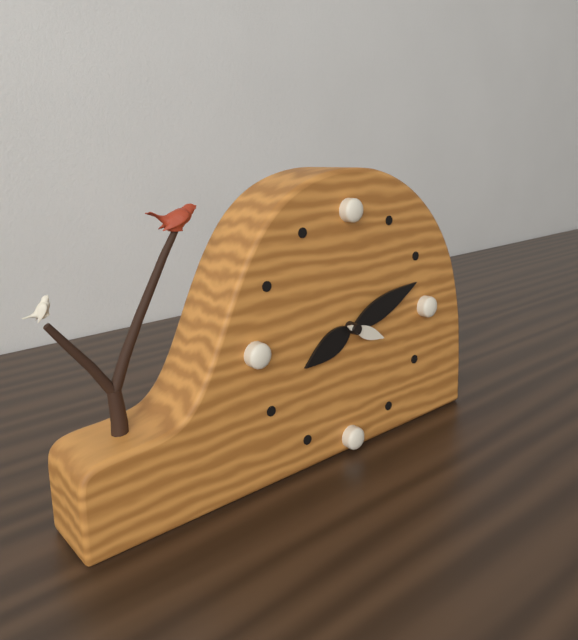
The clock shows h=8 m=12
